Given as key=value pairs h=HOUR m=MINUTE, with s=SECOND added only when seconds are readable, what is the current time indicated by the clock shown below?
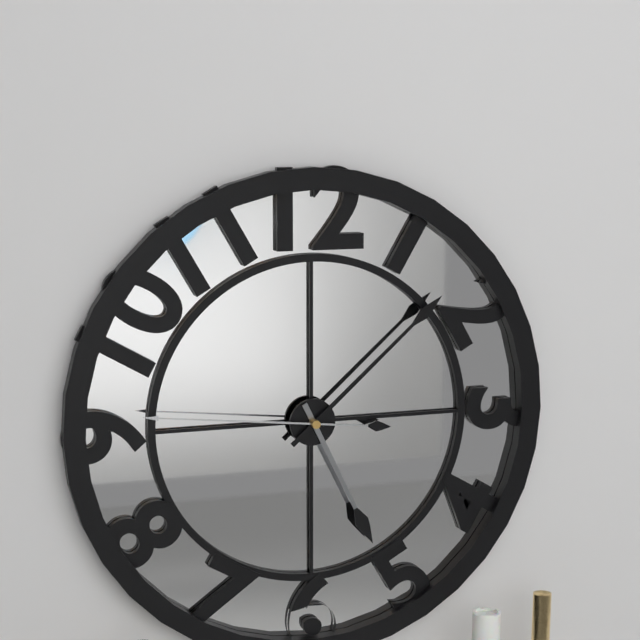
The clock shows h=5 m=8 s=46
